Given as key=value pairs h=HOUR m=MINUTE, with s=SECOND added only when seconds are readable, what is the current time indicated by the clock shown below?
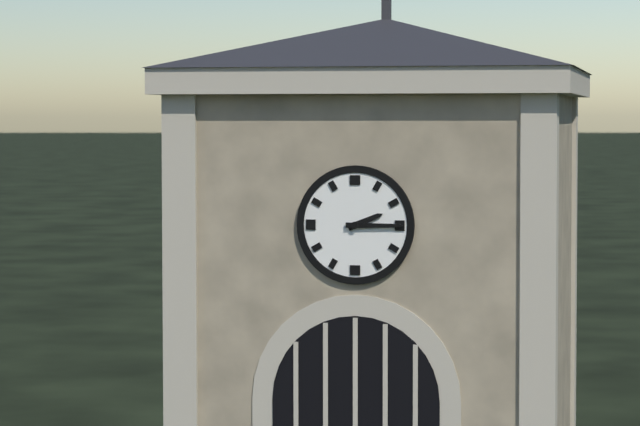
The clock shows h=2 m=15
